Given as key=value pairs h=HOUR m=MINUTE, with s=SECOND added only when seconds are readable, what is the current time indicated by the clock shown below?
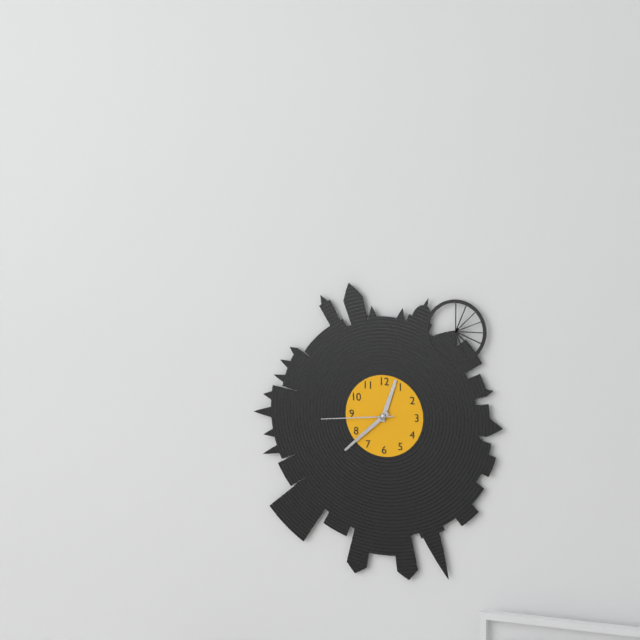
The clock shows h=12 m=38 s=44
